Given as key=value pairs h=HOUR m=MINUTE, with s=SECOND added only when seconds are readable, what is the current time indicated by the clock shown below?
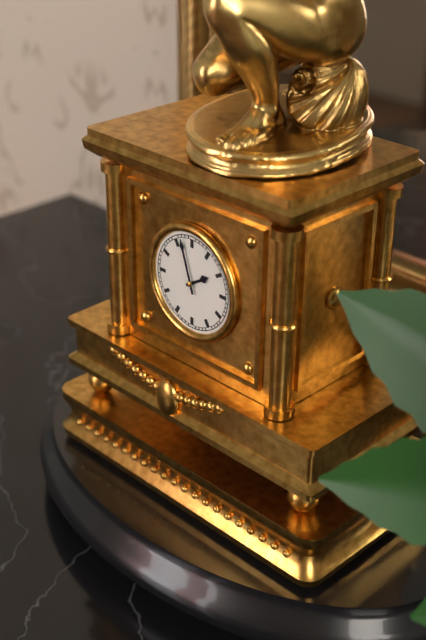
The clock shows h=1 m=57
